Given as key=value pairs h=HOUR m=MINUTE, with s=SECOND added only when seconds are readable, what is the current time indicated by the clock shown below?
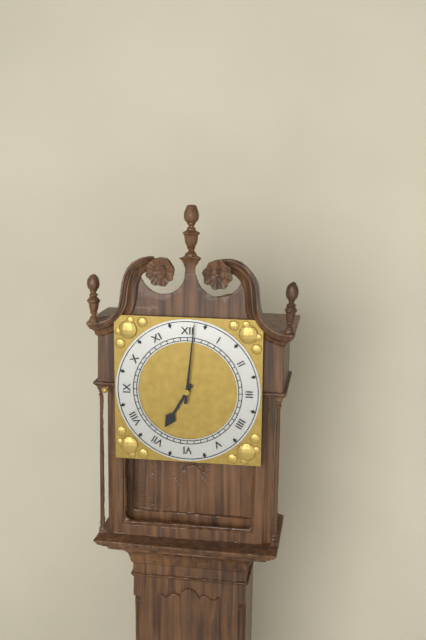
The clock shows h=7 m=1
